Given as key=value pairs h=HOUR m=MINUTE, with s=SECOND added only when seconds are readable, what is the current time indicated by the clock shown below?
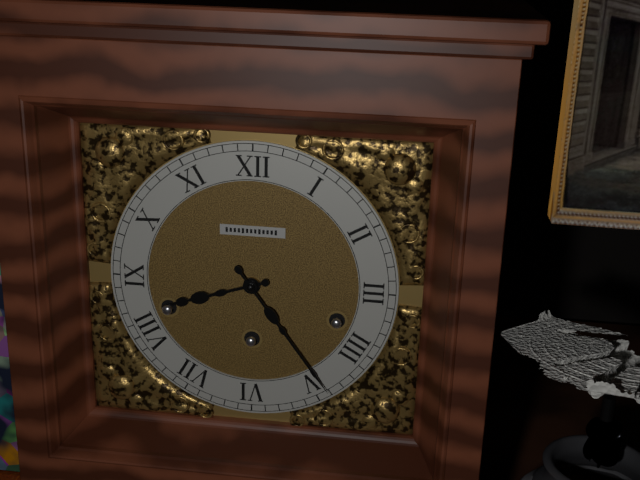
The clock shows h=8 m=24
